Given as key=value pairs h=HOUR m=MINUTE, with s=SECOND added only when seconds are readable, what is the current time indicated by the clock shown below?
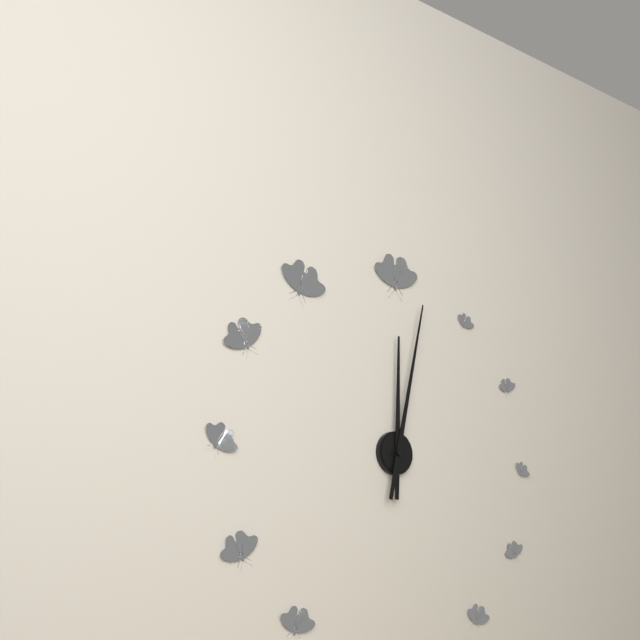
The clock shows h=12 m=2
